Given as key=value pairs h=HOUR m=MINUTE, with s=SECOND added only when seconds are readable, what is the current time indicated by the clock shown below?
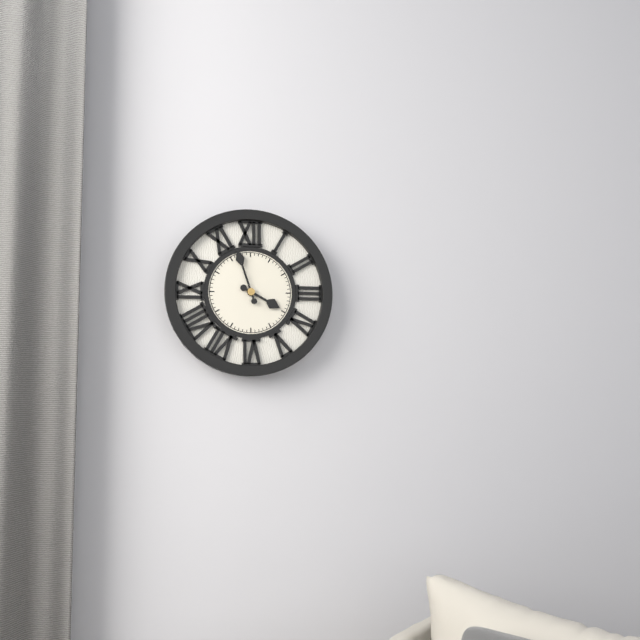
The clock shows h=3 m=57
